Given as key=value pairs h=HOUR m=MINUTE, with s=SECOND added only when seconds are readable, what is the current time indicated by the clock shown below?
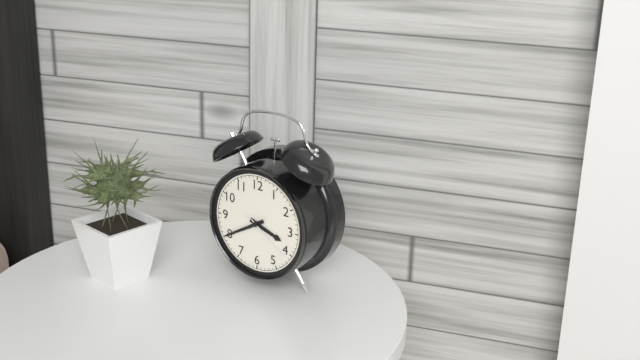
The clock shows h=3 m=40 s=21
